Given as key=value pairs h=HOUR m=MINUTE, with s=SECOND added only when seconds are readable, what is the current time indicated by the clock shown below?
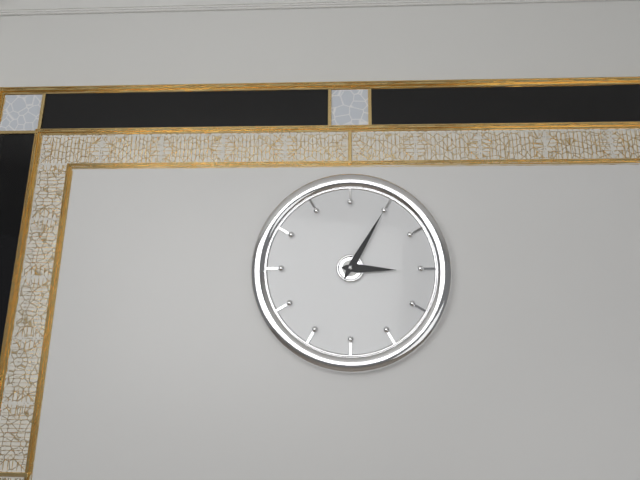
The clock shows h=3 m=5
